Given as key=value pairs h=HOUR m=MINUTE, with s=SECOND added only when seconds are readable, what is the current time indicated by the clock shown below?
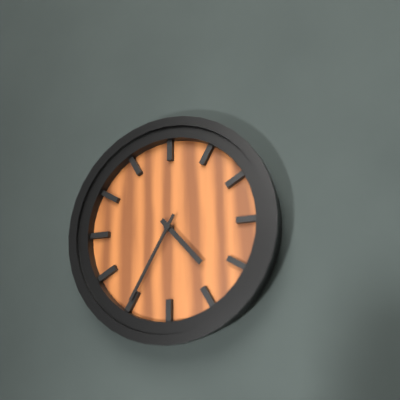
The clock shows h=4 m=35
